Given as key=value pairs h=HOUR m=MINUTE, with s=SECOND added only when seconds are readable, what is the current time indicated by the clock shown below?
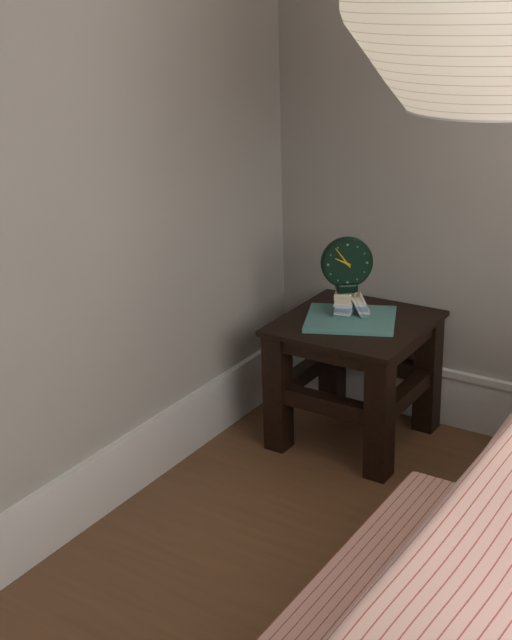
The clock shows h=9 m=54
